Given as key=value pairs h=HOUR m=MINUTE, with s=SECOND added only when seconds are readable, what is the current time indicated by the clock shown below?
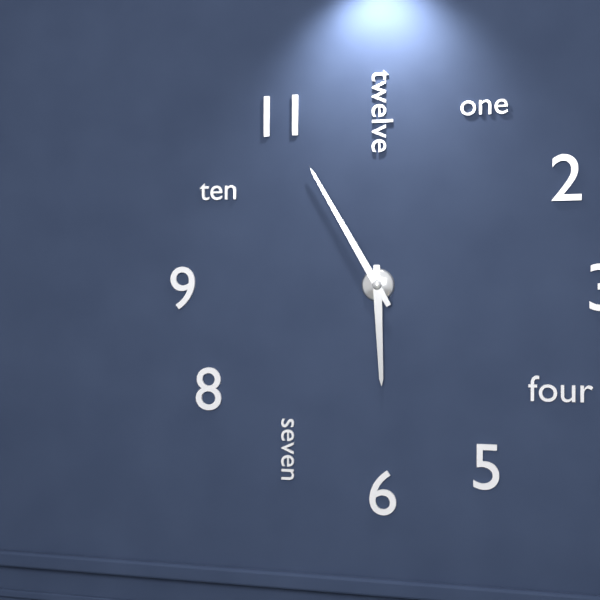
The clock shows h=5 m=55
